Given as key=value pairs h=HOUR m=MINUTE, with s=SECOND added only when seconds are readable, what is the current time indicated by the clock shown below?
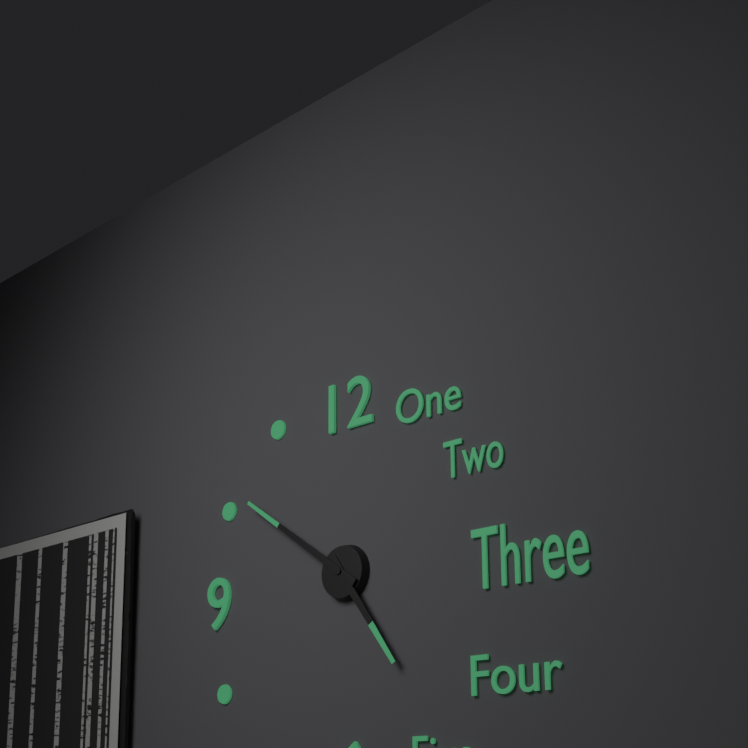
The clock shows h=4 m=51
